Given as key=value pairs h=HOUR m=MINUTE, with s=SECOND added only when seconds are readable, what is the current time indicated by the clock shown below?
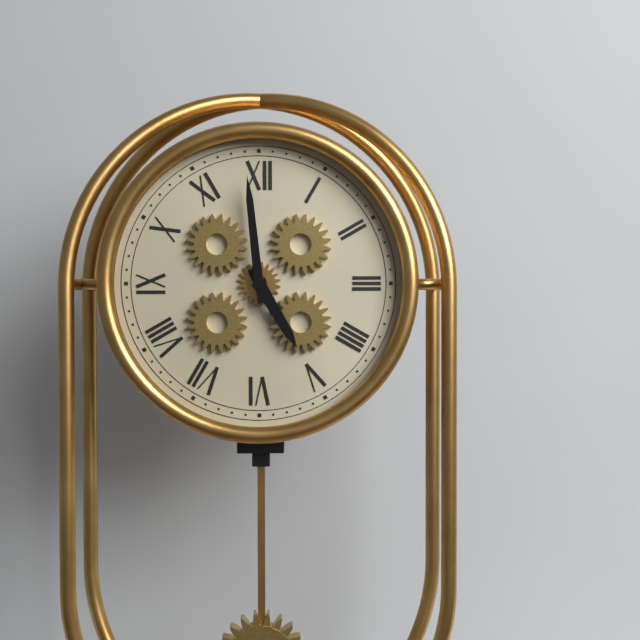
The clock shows h=4 m=59
